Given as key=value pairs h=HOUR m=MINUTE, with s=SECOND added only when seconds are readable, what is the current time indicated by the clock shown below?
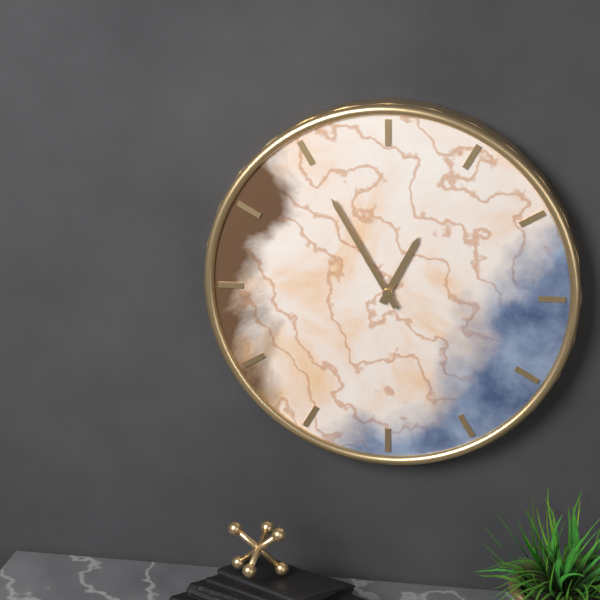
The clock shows h=12 m=55
